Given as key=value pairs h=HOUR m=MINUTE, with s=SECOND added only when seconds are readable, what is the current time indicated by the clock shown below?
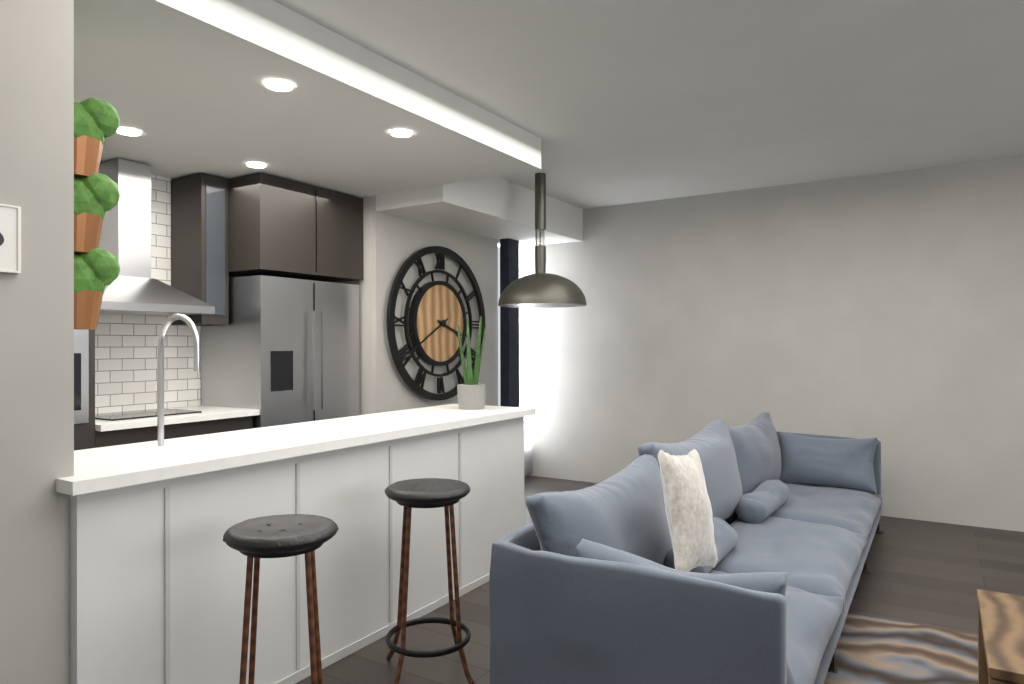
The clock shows h=3 m=40
